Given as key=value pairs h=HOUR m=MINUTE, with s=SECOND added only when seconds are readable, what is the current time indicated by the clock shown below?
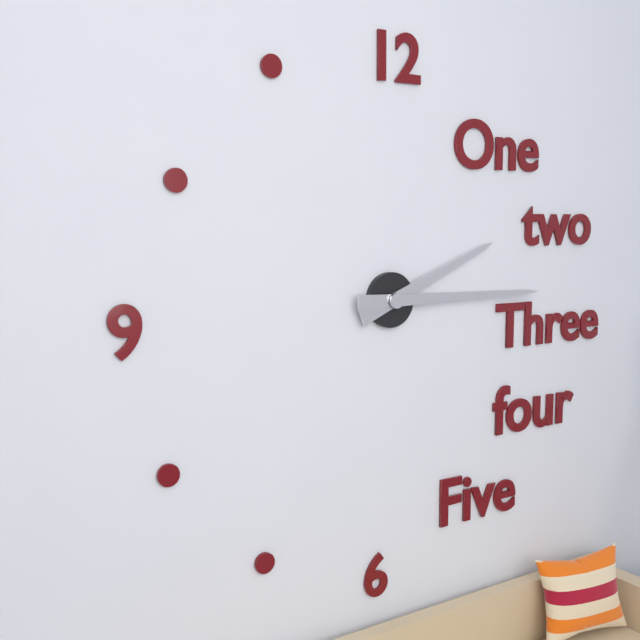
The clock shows h=2 m=15
